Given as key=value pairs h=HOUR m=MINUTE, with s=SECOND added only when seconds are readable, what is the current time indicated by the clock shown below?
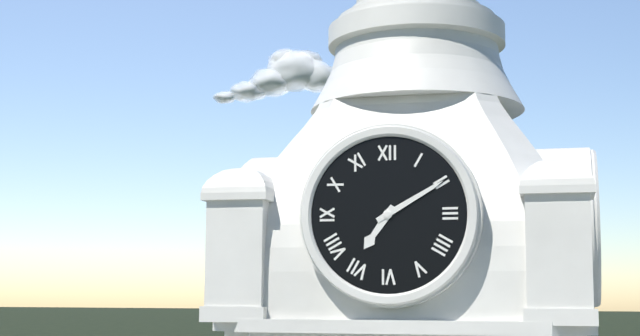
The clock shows h=7 m=10
